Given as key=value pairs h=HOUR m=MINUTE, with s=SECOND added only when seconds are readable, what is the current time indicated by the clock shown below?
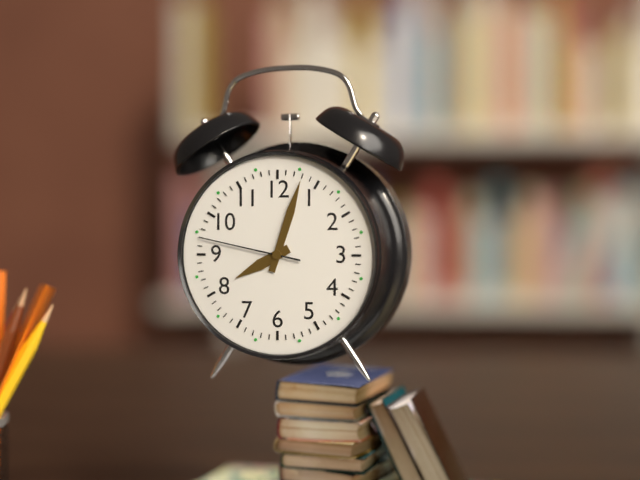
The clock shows h=8 m=3 s=47
